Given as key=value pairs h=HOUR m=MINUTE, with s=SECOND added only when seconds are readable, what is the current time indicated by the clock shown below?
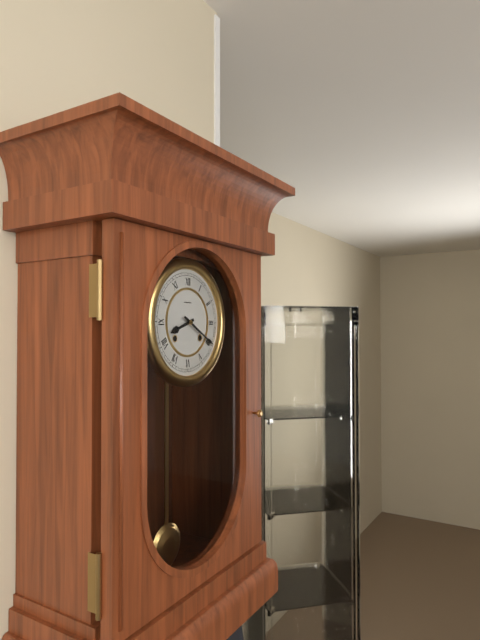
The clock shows h=8 m=20
